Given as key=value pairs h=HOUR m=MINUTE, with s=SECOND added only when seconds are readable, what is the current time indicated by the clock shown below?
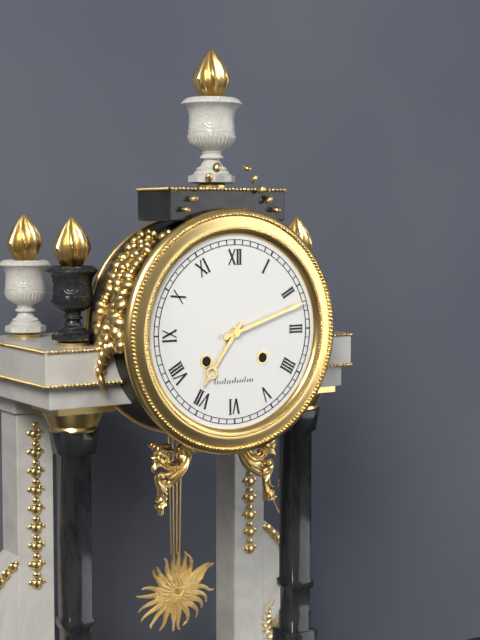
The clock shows h=7 m=12
